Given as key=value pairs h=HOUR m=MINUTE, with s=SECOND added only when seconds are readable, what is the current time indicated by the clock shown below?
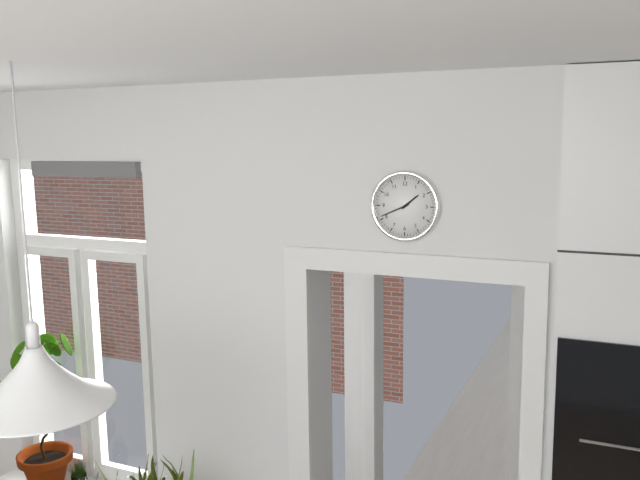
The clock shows h=1 m=41
